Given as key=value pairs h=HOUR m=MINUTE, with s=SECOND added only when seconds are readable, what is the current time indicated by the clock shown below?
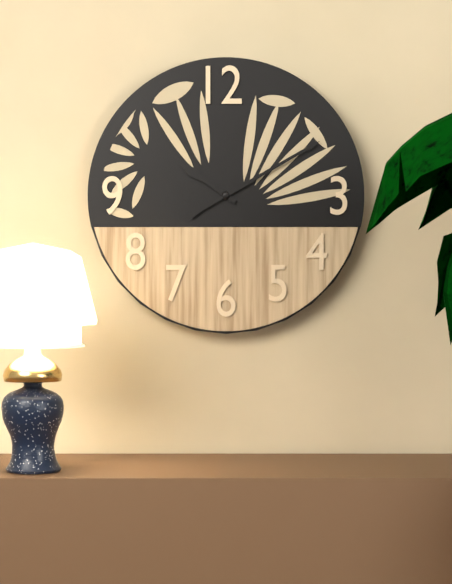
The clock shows h=10 m=10
